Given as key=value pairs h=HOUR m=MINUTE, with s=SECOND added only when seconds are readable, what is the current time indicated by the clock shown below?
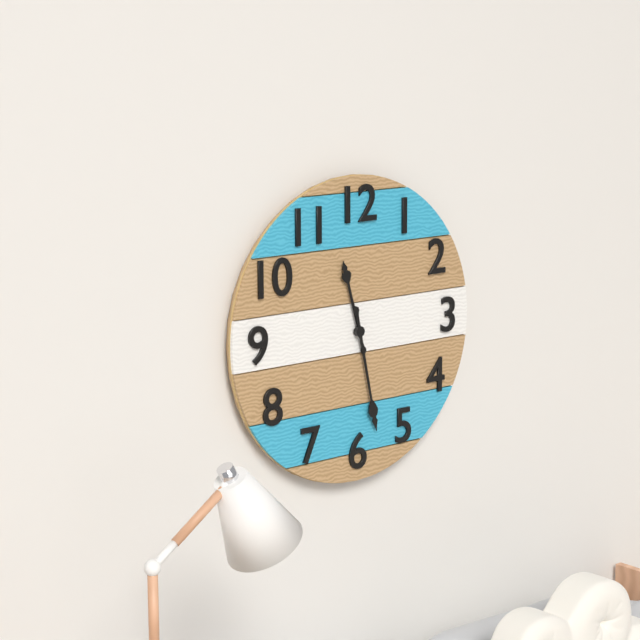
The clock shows h=11 m=28
